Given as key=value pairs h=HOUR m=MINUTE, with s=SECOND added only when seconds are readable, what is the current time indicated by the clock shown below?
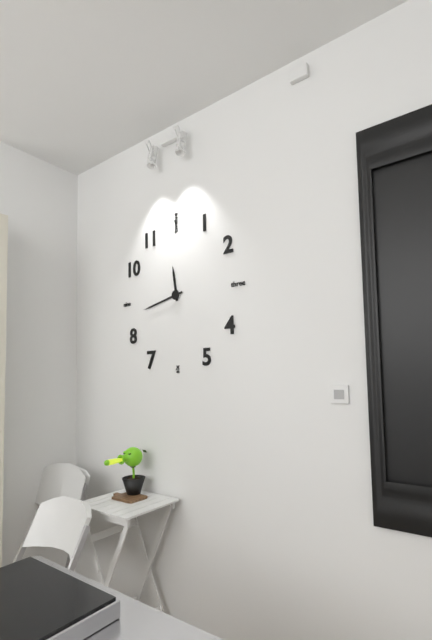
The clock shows h=11 m=43
